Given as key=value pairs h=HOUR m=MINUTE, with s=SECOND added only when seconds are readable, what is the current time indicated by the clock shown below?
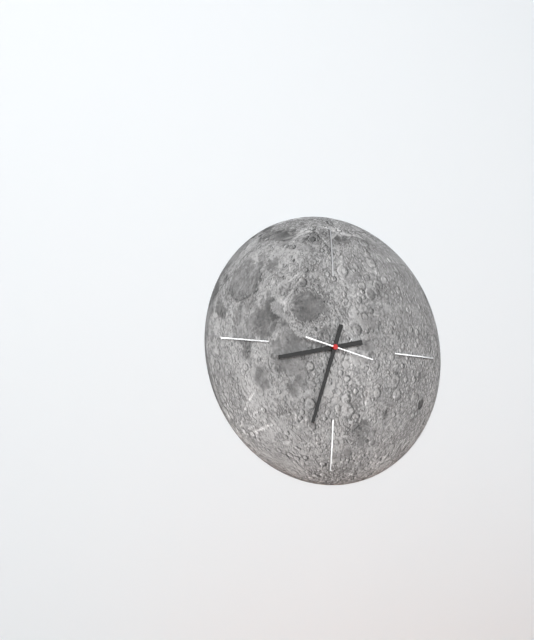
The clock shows h=8 m=33
